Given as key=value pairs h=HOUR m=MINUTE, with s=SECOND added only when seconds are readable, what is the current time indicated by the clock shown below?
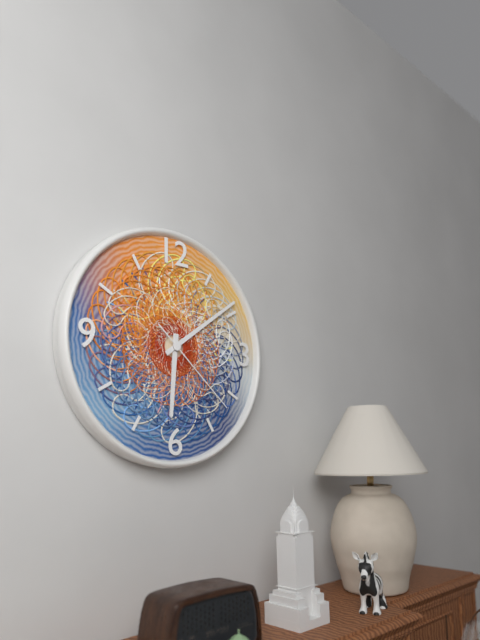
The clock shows h=6 m=9 s=22
